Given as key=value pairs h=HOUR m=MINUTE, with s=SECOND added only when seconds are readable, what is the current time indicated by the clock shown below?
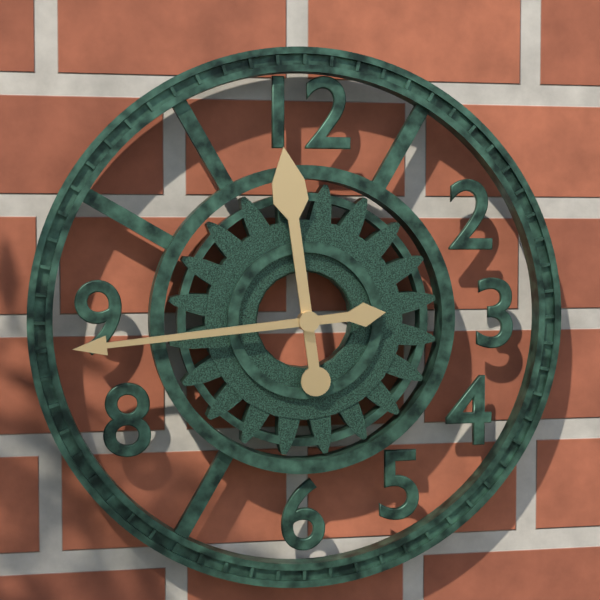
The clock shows h=11 m=44
